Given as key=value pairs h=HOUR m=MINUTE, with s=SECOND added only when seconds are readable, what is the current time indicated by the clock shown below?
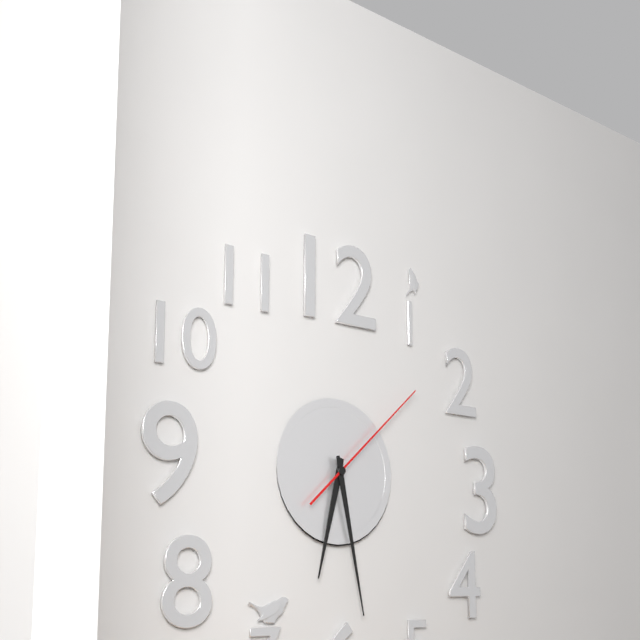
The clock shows h=6 m=28 s=8
